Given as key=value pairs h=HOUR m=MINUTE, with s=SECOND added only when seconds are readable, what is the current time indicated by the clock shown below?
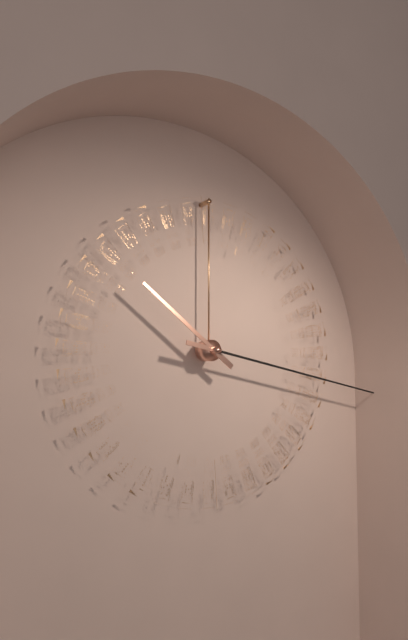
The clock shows h=10 m=17
